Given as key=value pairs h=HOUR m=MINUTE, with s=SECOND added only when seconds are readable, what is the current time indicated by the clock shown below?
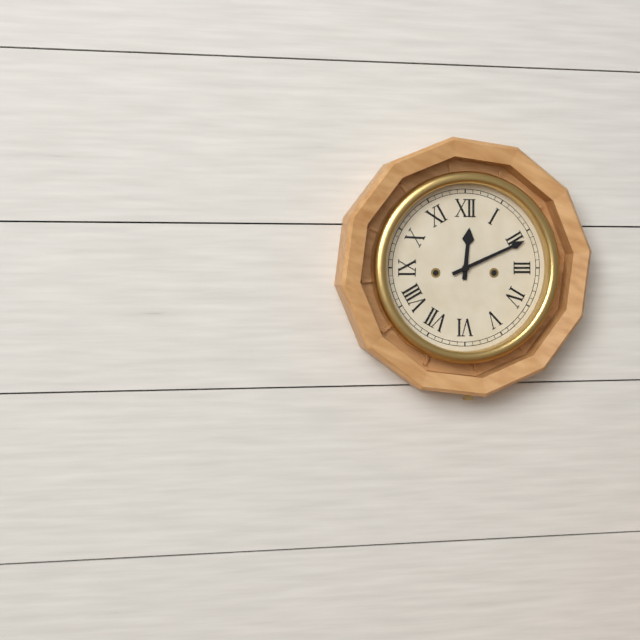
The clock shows h=12 m=11
